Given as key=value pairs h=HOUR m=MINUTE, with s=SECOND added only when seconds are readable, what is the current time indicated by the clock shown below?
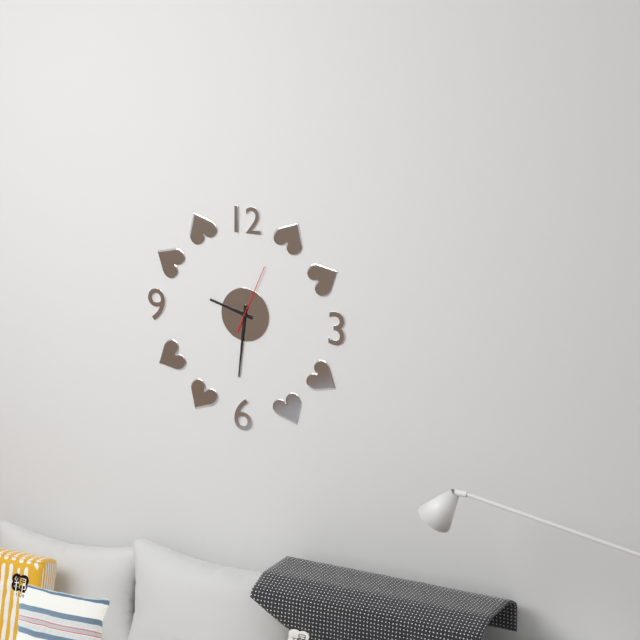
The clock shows h=9 m=31 s=4
